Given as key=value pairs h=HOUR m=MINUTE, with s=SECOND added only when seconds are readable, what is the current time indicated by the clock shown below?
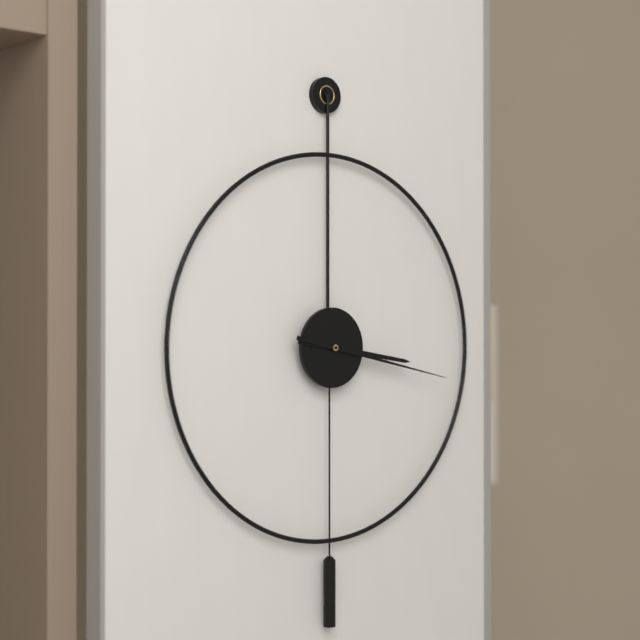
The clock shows h=3 m=17
